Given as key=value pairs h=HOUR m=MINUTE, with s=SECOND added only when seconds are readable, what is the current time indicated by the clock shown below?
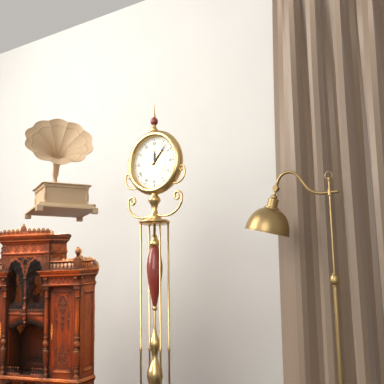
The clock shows h=12 m=7
